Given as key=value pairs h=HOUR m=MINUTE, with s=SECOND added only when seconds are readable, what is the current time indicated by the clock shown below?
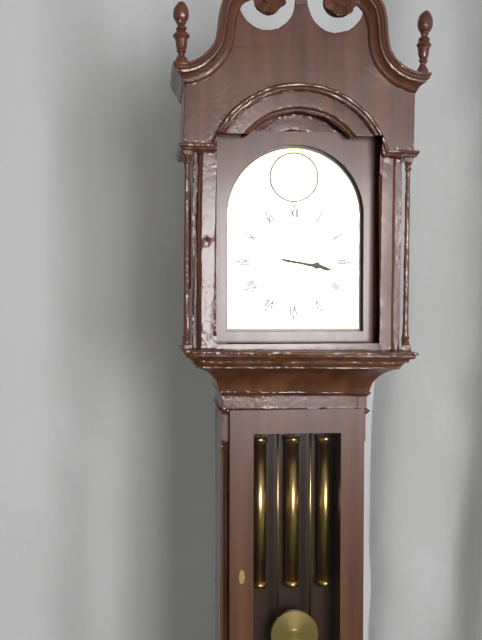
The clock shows h=3 m=17
